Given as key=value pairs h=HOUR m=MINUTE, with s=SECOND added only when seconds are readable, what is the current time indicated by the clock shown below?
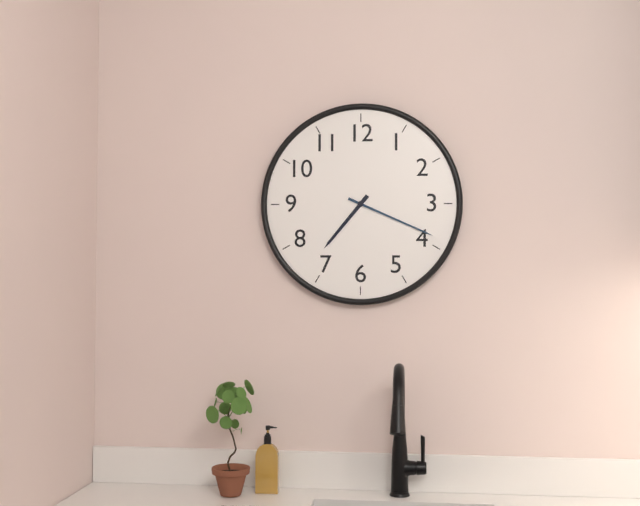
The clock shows h=7 m=19
